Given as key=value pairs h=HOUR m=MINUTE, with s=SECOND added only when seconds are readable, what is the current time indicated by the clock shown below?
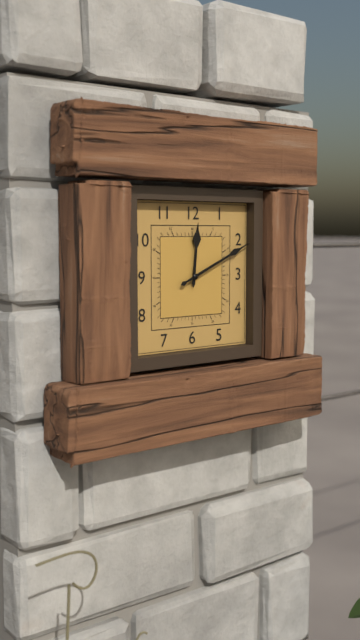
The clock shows h=12 m=11
